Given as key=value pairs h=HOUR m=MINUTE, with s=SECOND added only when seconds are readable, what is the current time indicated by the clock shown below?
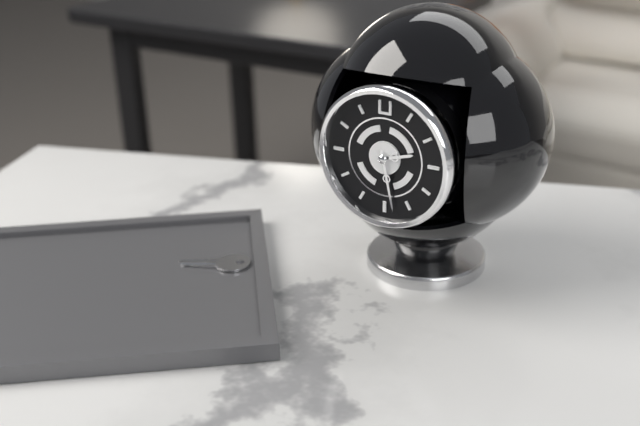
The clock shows h=2 m=28
